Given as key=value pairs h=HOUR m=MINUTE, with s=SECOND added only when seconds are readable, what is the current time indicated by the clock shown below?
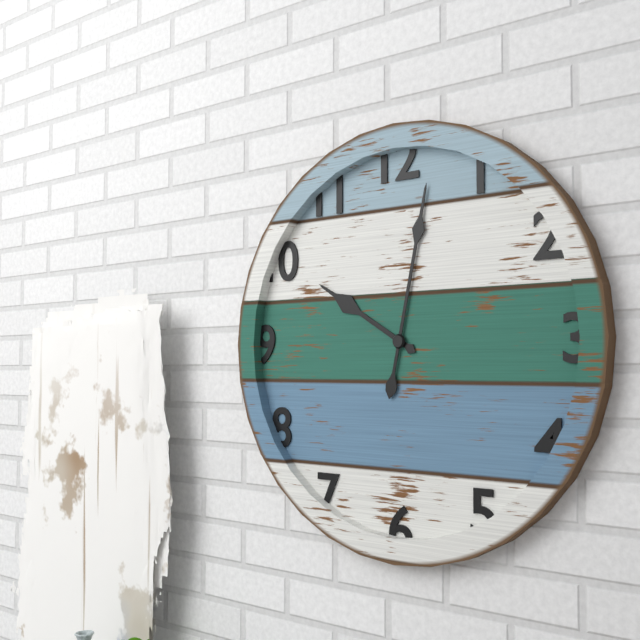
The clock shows h=10 m=2
